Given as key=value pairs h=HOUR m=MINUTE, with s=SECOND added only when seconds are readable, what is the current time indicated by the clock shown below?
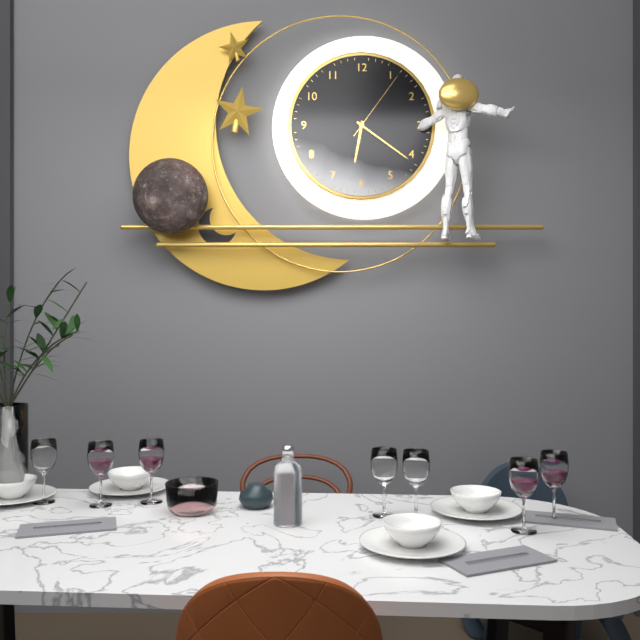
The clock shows h=6 m=21 s=6
